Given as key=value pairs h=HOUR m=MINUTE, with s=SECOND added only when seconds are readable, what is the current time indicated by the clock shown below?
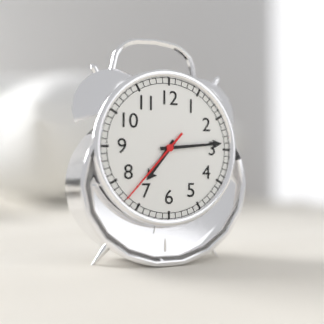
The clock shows h=7 m=14 s=37
